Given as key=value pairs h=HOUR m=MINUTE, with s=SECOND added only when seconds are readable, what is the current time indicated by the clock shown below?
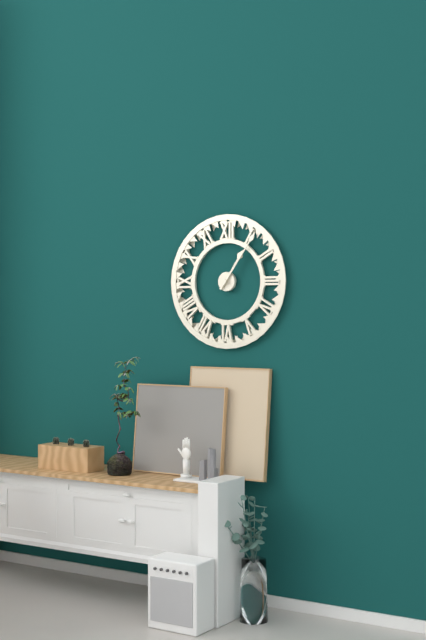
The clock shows h=1 m=6
